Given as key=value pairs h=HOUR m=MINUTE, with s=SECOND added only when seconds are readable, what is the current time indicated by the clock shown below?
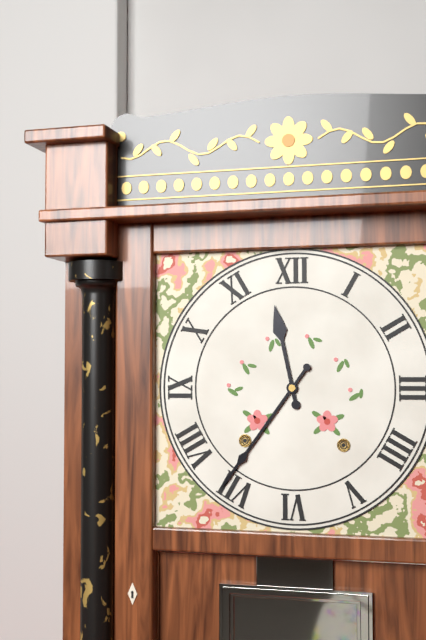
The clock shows h=11 m=36
